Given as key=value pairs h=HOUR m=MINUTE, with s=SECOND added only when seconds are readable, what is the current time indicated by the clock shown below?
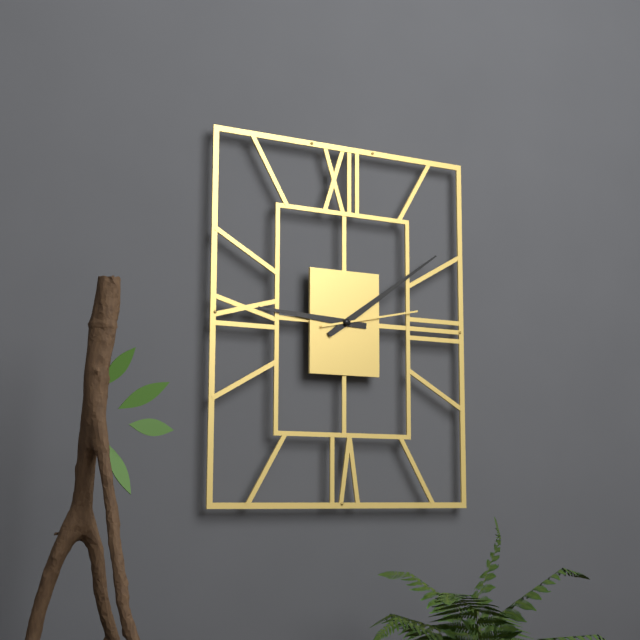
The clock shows h=9 m=9 s=13
